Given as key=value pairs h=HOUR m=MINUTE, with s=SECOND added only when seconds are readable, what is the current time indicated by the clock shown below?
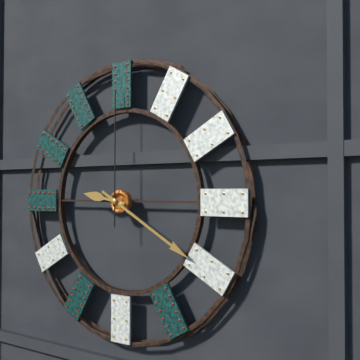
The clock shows h=9 m=20 s=0
